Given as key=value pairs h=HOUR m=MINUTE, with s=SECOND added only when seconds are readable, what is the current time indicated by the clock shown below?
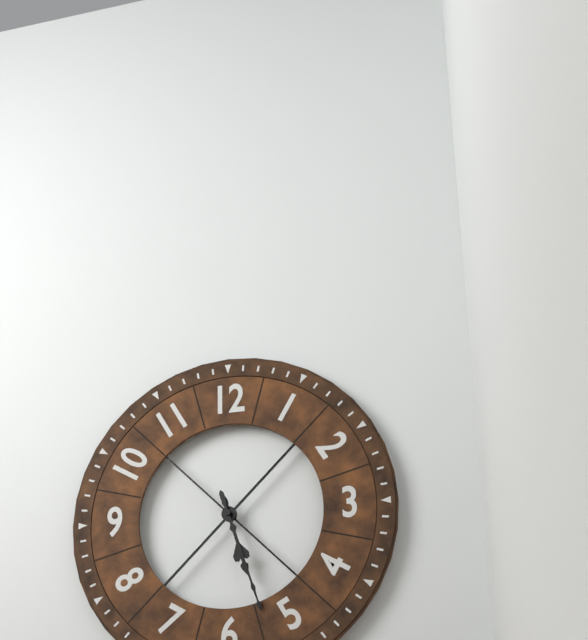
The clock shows h=5 m=27
